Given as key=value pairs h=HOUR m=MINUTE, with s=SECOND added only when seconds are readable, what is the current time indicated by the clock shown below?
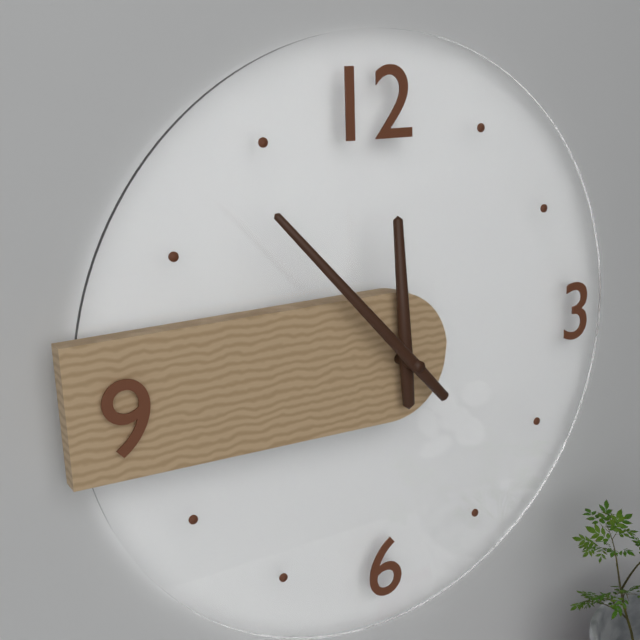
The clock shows h=11 m=53
